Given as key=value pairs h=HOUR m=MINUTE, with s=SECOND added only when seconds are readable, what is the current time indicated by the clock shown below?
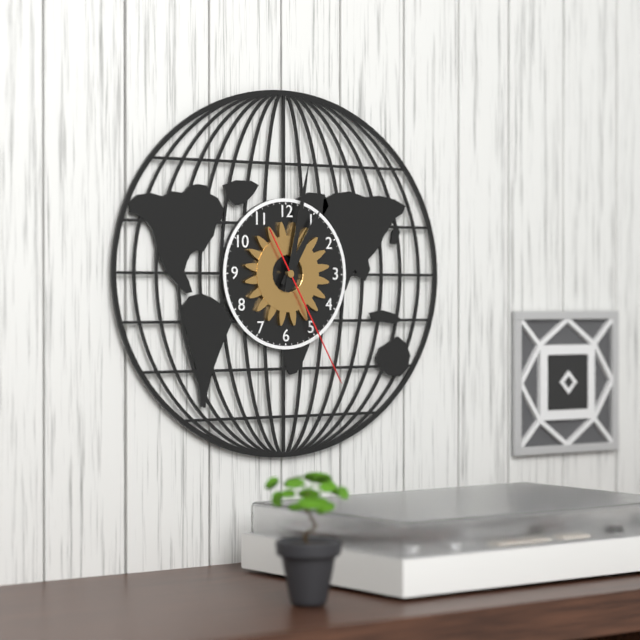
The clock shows h=1 m=2 s=25
